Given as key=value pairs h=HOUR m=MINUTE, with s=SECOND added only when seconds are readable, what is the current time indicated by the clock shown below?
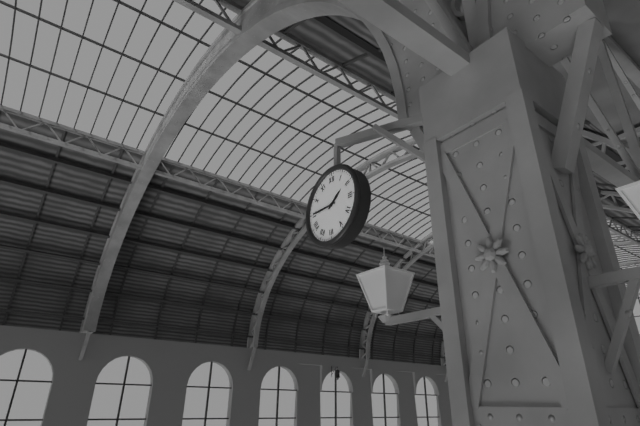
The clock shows h=1 m=45
